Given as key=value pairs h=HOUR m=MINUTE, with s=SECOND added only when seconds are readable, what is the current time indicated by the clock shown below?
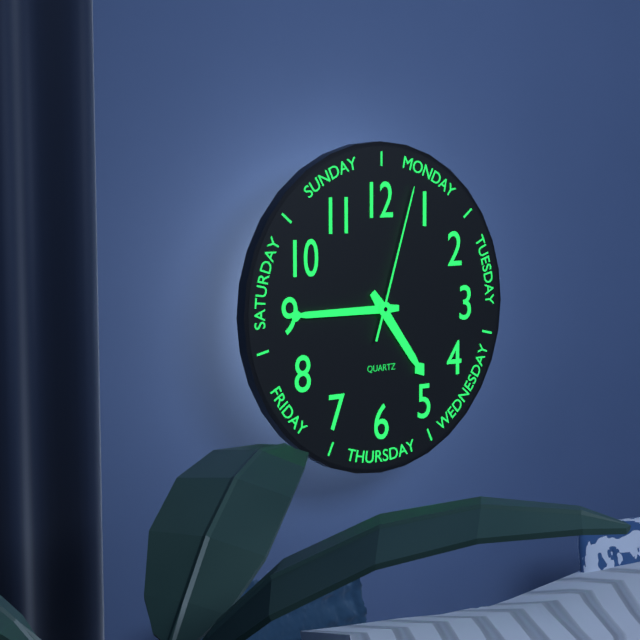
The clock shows h=4 m=45 s=3
